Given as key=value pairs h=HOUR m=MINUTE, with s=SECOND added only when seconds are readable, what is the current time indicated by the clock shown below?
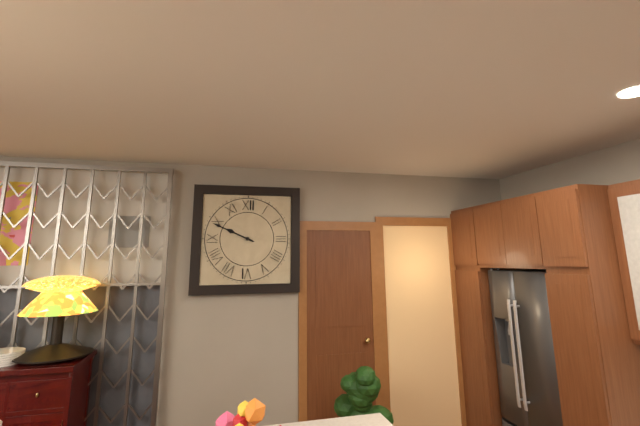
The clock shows h=9 m=49
